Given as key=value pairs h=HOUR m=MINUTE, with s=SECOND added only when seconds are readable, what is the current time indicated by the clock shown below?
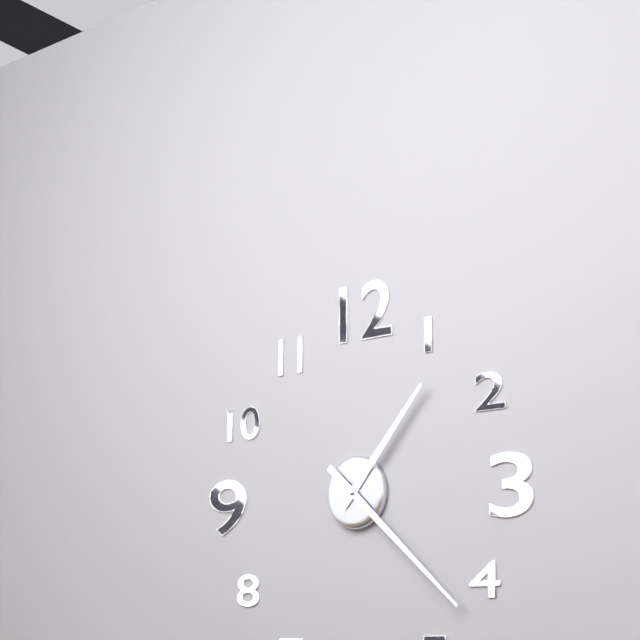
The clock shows h=1 m=22
